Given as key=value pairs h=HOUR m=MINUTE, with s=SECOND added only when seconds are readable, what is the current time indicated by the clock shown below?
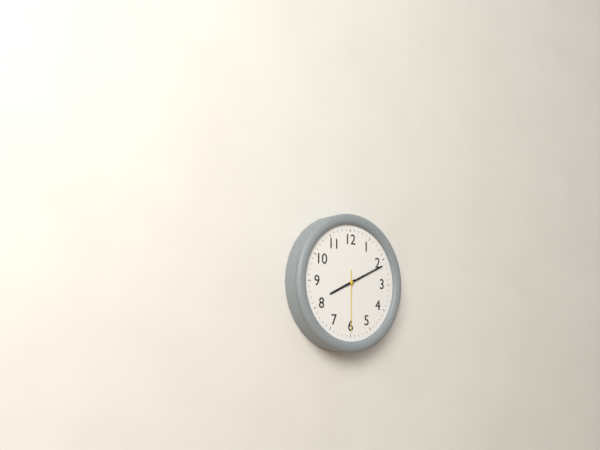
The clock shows h=8 m=11 s=30
